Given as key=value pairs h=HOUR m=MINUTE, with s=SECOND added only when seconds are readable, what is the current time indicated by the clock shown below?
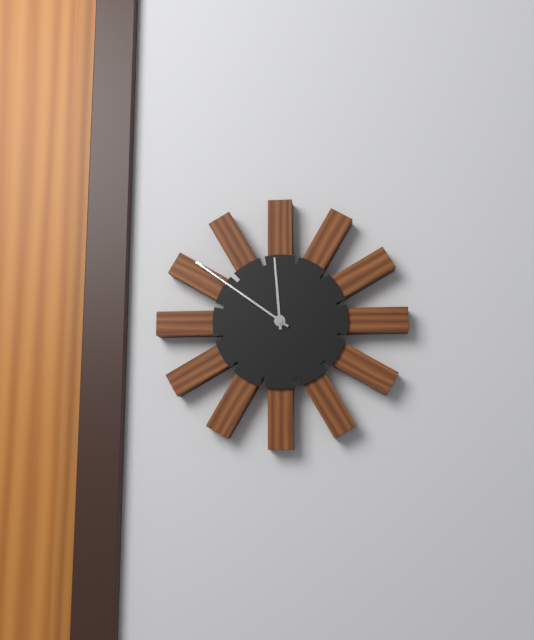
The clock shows h=11 m=51
